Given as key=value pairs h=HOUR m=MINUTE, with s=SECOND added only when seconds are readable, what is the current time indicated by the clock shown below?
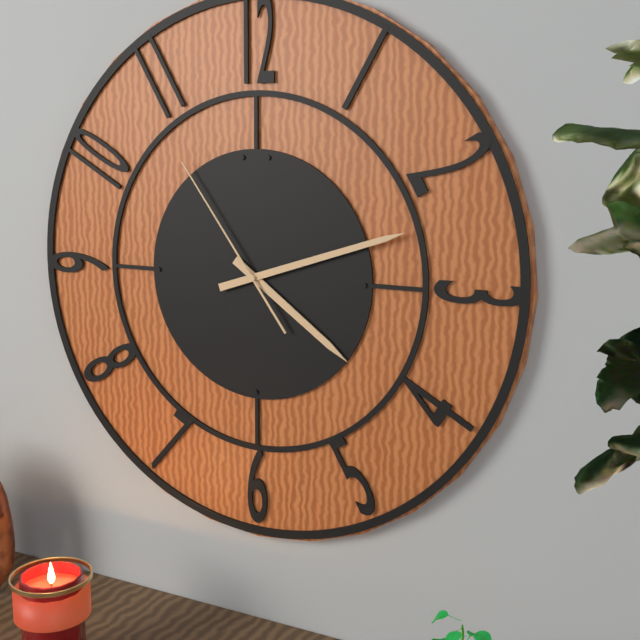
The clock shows h=4 m=12 s=54
